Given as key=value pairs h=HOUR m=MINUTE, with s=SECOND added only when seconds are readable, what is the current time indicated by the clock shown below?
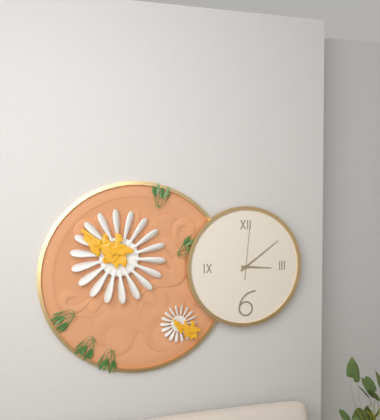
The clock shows h=3 m=9 s=1
